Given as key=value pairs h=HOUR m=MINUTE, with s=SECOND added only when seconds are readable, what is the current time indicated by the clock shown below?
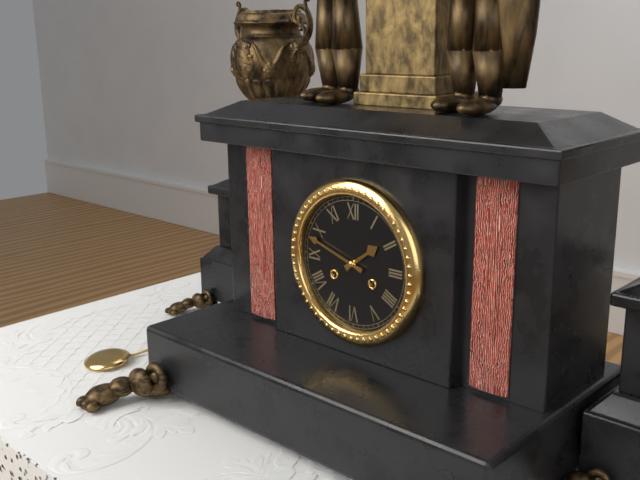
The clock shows h=1 m=48
